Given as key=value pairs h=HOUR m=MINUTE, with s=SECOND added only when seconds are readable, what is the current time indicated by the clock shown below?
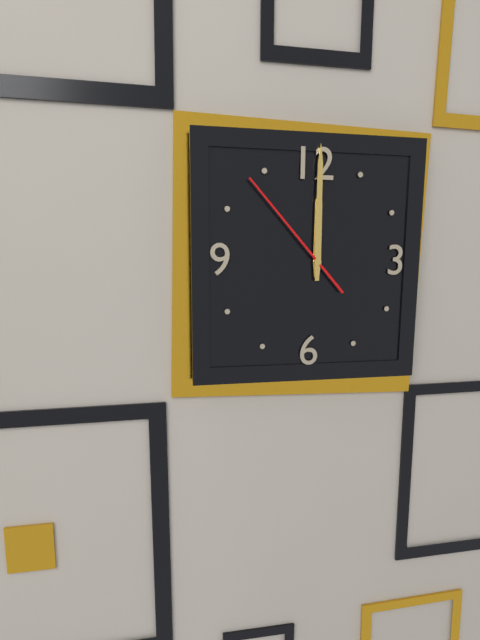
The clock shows h=12 m=0 s=53
